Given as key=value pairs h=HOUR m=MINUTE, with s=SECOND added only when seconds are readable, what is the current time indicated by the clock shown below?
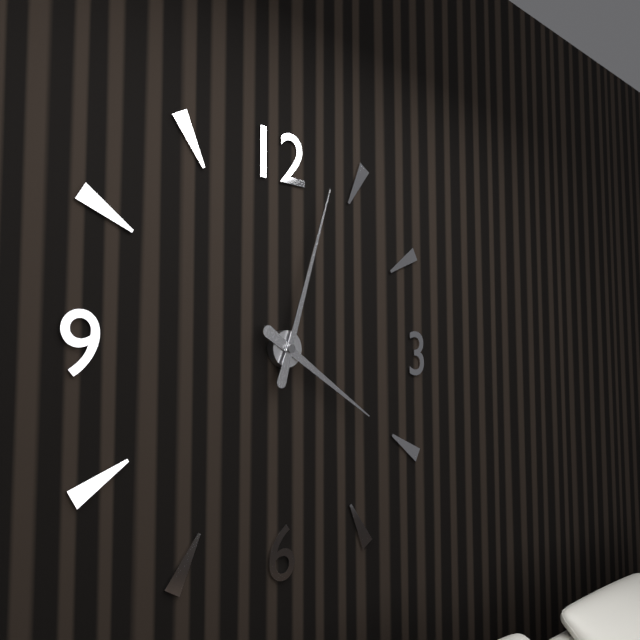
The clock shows h=4 m=3
